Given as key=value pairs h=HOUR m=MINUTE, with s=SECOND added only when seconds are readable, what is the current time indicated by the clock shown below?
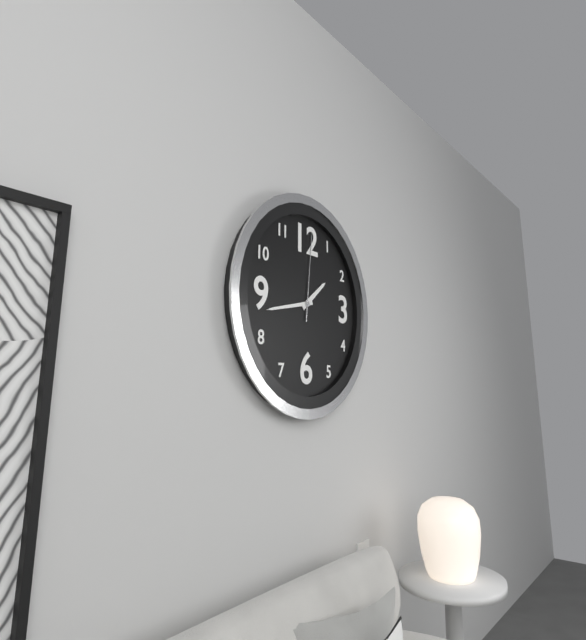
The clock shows h=1 m=43 s=1
